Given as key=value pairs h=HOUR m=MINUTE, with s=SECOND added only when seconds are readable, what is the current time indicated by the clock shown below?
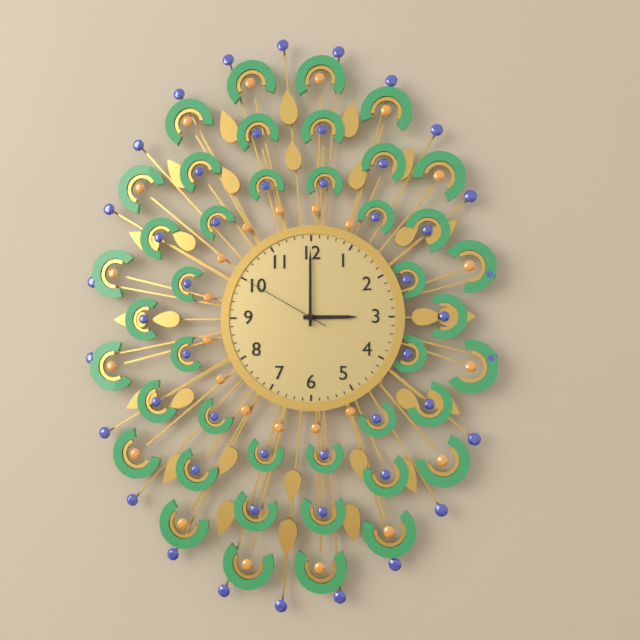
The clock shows h=3 m=0 s=50
